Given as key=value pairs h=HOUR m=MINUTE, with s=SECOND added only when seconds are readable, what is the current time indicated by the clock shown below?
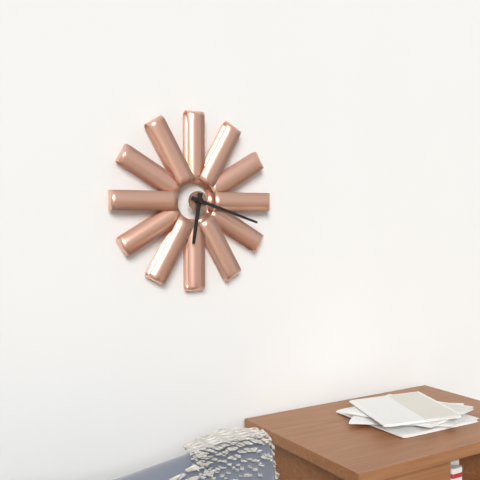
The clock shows h=6 m=18
